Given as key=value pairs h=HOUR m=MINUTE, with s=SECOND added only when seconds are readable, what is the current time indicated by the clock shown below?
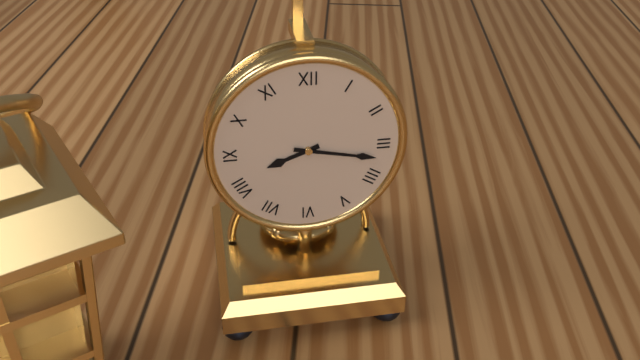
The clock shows h=8 m=17
